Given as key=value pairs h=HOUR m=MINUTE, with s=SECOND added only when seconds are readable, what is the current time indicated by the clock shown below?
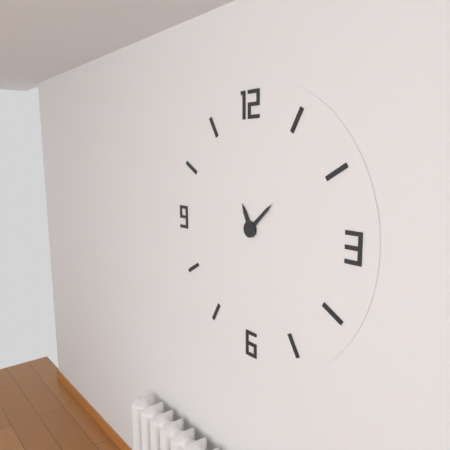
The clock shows h=11 m=8
